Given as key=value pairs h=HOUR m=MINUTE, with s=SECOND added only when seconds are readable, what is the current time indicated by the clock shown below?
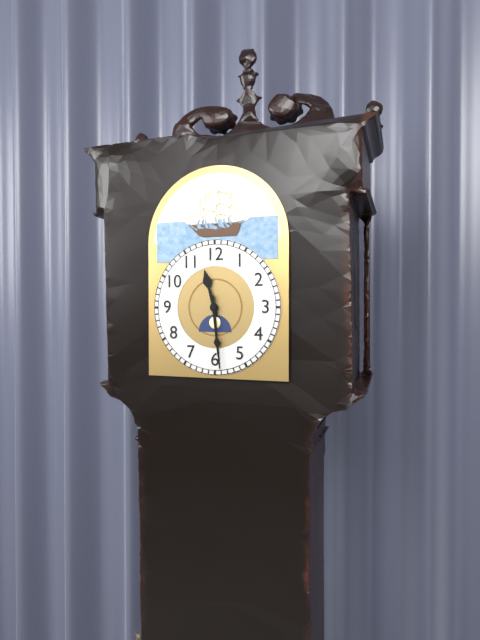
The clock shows h=11 m=29
